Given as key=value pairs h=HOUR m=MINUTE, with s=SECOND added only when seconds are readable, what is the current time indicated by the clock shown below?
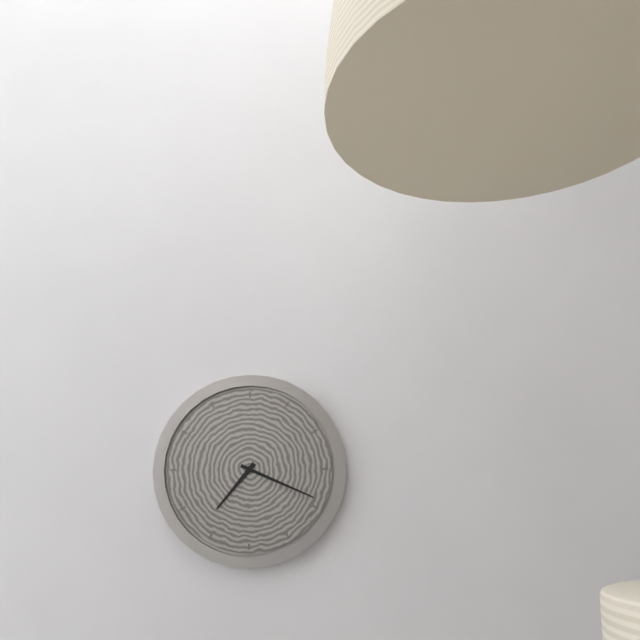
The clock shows h=7 m=19
